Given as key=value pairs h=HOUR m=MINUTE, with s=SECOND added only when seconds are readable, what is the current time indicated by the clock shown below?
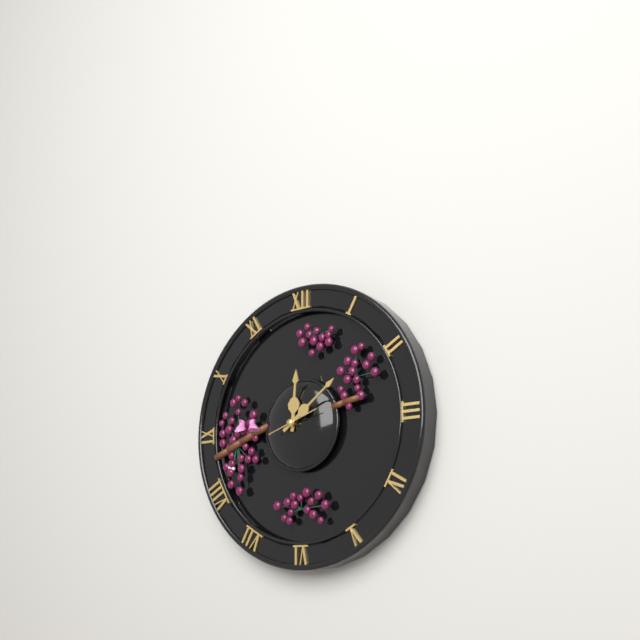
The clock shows h=12 m=9
